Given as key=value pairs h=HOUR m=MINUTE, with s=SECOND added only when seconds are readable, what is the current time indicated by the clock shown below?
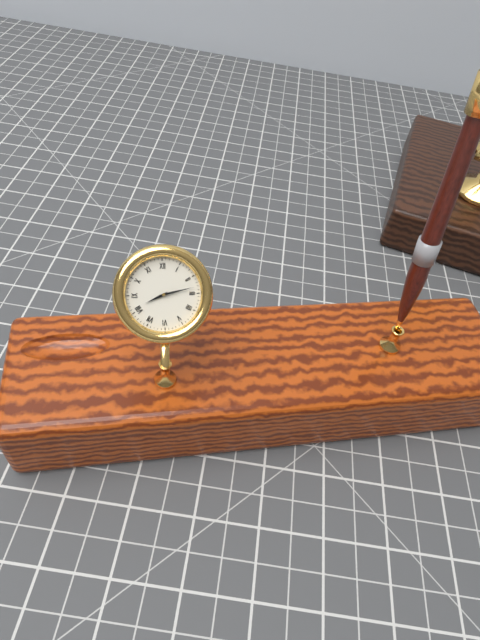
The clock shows h=8 m=13
